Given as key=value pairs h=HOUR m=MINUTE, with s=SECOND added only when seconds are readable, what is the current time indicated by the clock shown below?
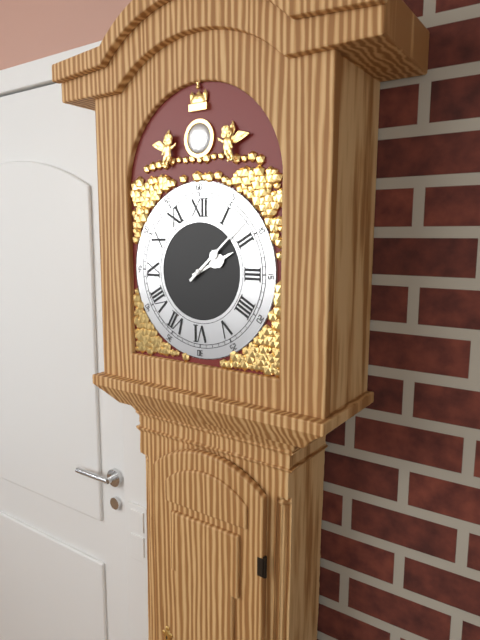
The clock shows h=2 m=8
